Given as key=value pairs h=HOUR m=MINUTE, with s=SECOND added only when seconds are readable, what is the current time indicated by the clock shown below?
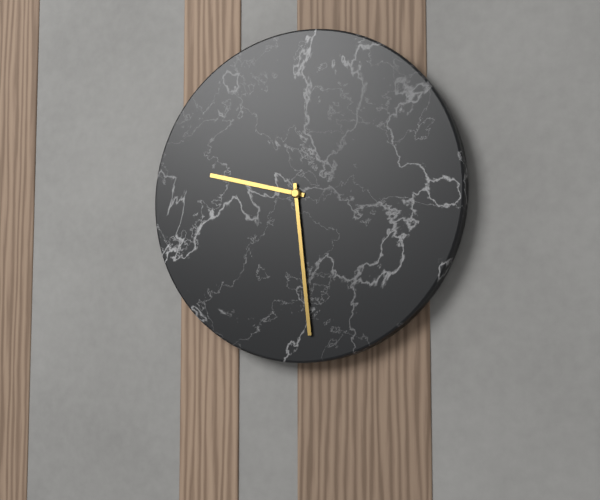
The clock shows h=9 m=29
